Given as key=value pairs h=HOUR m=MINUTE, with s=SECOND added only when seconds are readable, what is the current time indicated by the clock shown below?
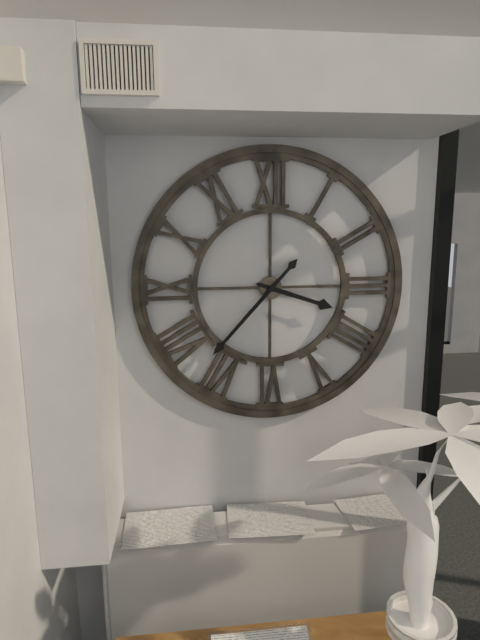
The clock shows h=3 m=37
